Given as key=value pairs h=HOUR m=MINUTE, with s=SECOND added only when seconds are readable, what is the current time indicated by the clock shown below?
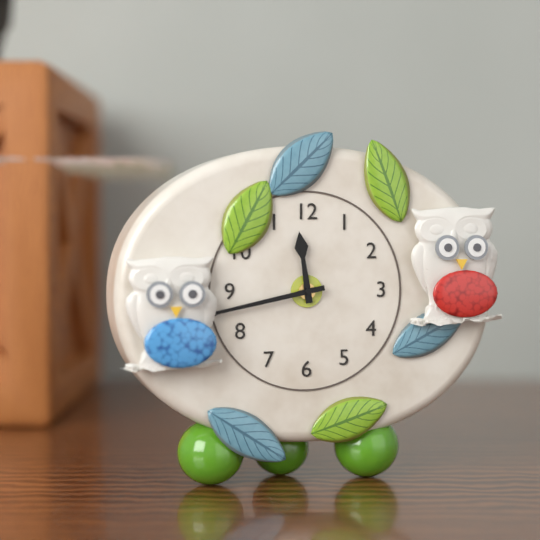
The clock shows h=11 m=43
